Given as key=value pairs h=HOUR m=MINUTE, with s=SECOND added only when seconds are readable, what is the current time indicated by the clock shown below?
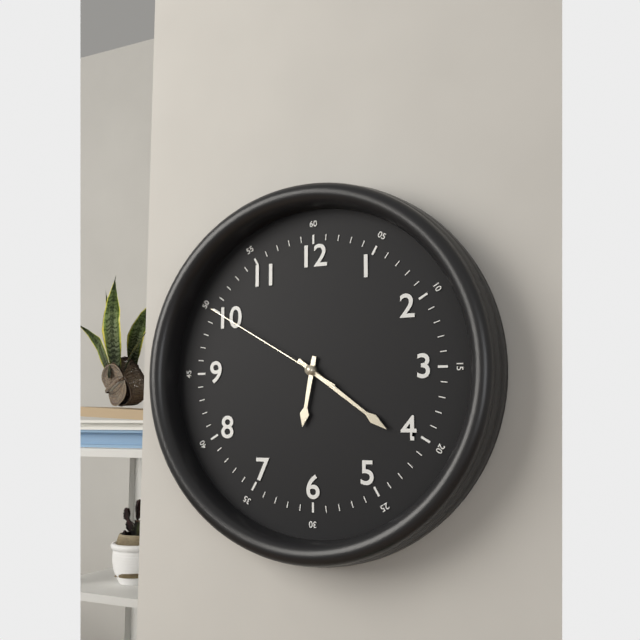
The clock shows h=6 m=21 s=50
